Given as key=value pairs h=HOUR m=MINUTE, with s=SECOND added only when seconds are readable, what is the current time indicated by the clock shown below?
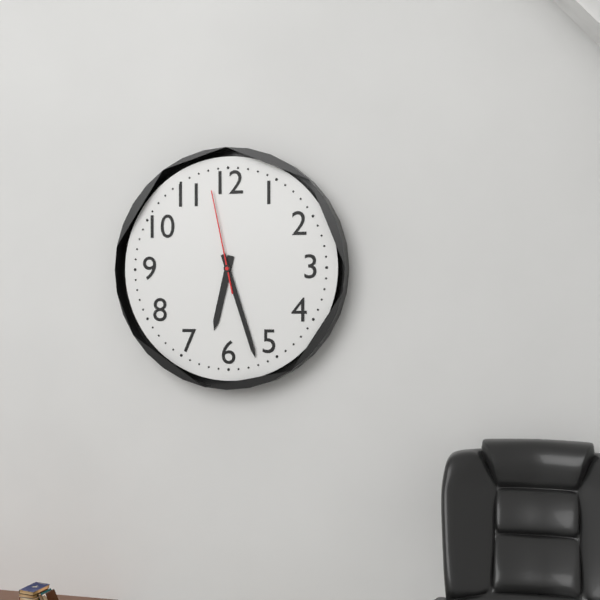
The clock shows h=6 m=27 s=58
